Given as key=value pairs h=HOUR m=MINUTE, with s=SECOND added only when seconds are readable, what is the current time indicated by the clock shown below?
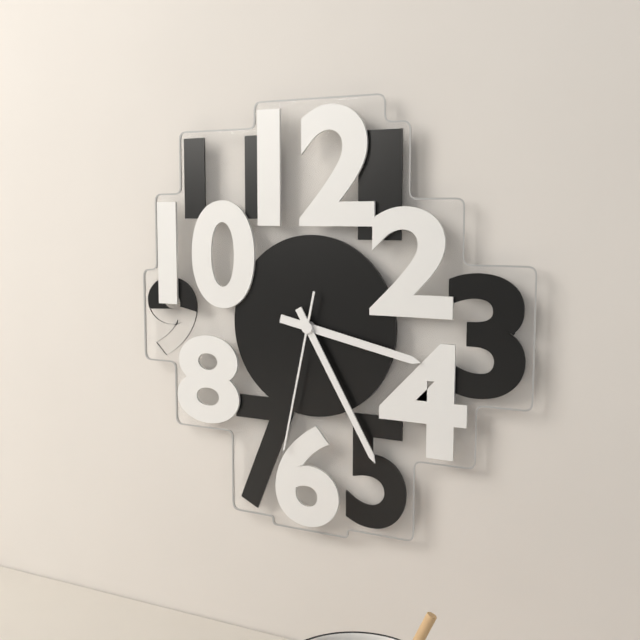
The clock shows h=3 m=25 s=32
